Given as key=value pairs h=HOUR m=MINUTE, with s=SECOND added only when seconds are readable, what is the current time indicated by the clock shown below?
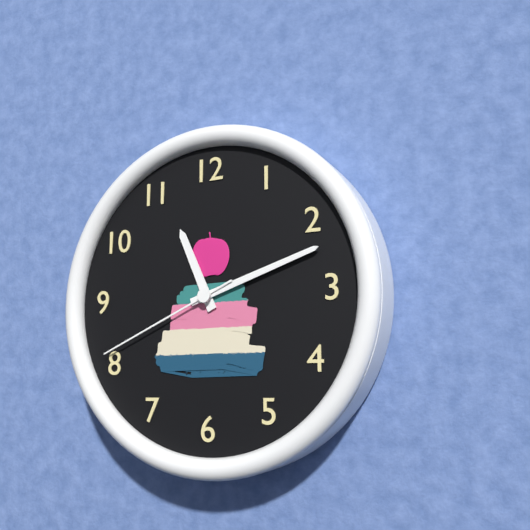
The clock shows h=11 m=12 s=41
